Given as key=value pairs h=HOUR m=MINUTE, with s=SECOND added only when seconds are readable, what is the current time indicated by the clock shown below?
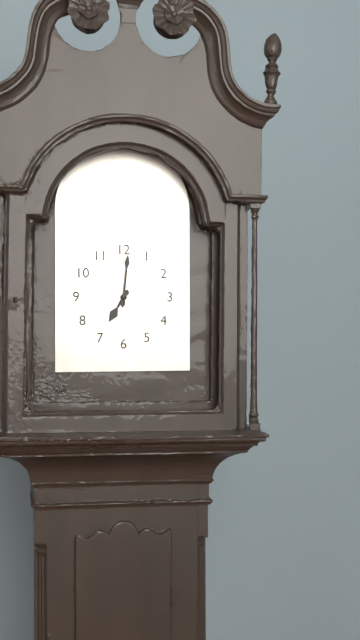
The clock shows h=7 m=1
